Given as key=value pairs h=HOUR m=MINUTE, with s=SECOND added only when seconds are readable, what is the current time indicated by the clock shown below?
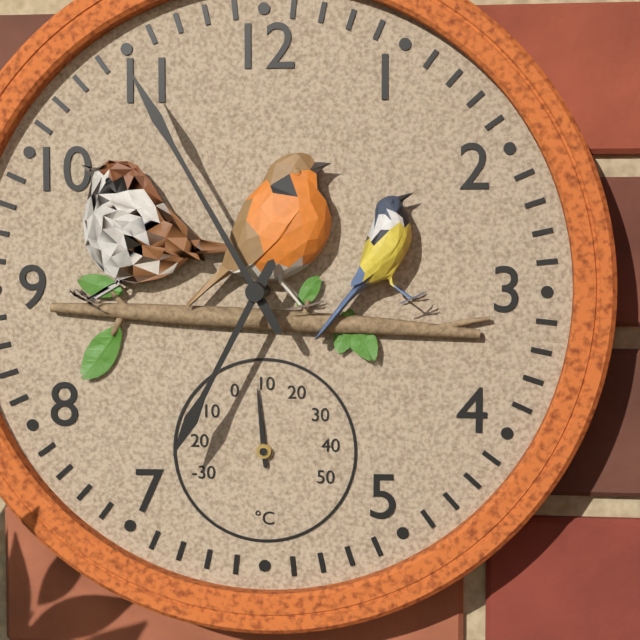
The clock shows h=6 m=55
